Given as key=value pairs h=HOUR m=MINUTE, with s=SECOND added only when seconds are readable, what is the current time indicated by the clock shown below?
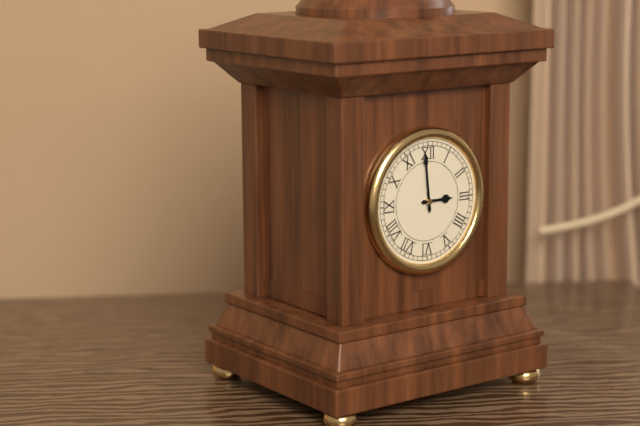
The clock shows h=2 m=59
